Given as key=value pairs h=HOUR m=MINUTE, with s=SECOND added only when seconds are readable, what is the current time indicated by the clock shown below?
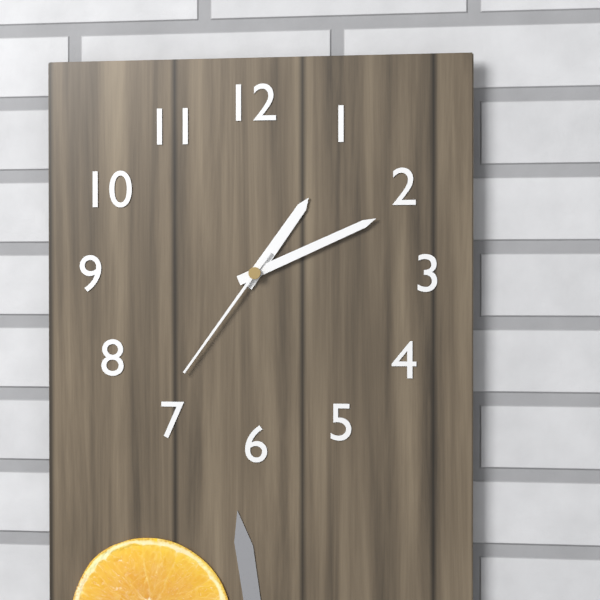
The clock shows h=1 m=11 s=36
